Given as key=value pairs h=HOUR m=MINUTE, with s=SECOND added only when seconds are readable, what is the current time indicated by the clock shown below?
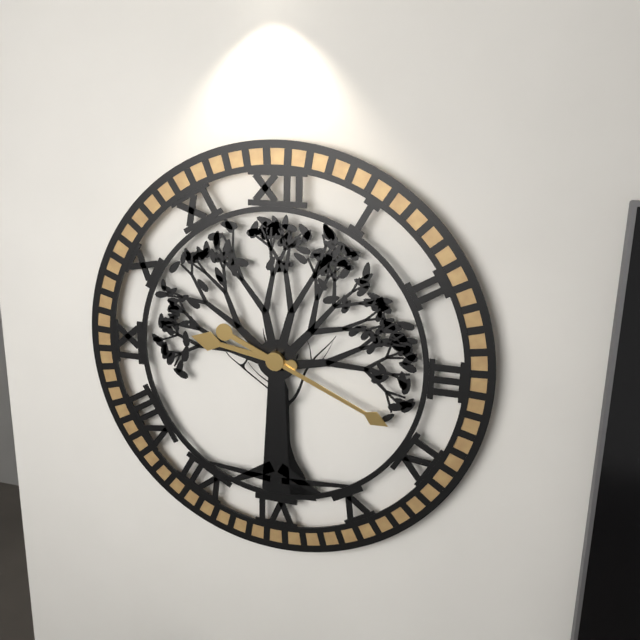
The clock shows h=9 m=19
